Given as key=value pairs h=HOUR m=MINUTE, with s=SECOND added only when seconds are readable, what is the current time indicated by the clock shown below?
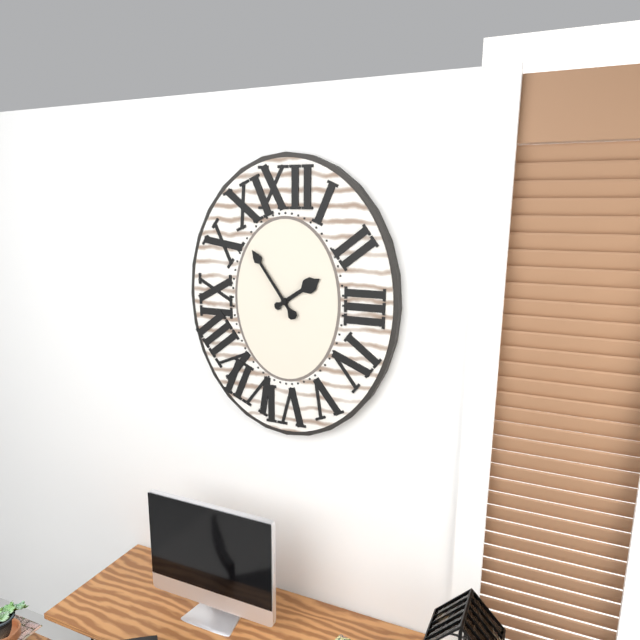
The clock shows h=1 m=54
